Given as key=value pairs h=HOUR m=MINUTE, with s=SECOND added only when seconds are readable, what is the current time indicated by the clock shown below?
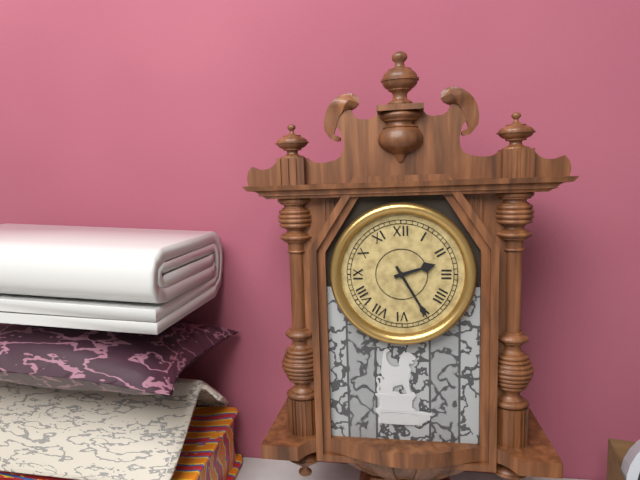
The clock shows h=2 m=25
